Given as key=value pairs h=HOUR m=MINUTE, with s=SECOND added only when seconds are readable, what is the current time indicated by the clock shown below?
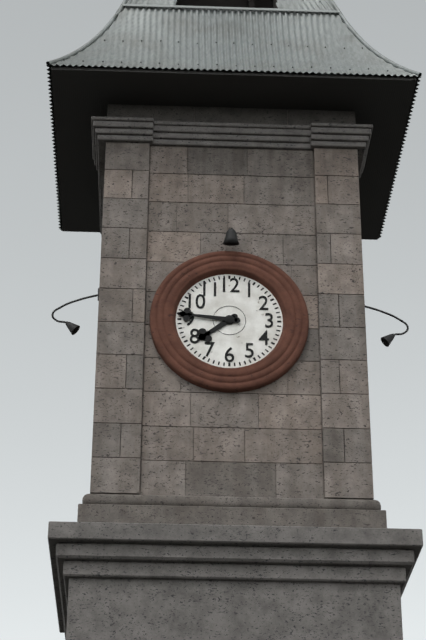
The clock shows h=7 m=46
